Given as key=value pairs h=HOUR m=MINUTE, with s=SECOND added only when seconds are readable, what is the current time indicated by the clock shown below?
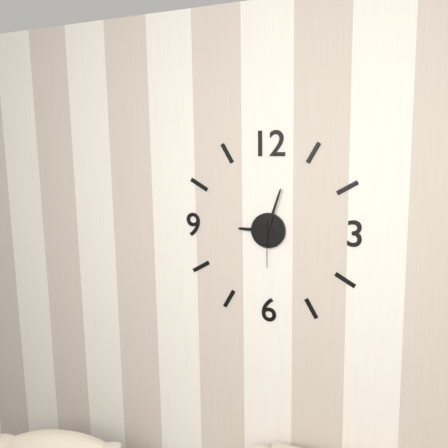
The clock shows h=9 m=3
